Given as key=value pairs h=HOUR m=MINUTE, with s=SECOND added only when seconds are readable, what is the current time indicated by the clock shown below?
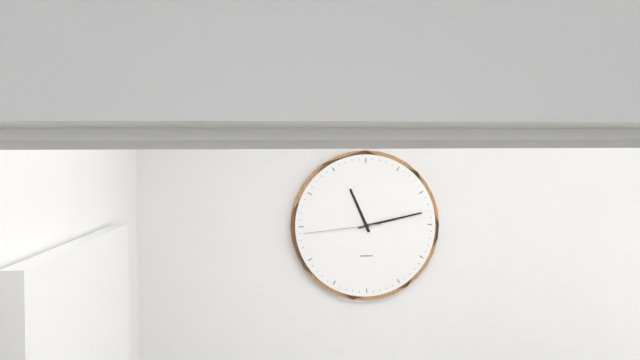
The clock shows h=11 m=13 s=44
